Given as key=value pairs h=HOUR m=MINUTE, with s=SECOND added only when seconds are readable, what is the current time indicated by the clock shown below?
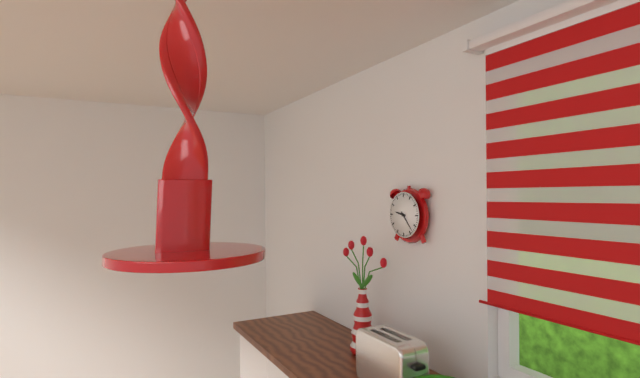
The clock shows h=9 m=23
